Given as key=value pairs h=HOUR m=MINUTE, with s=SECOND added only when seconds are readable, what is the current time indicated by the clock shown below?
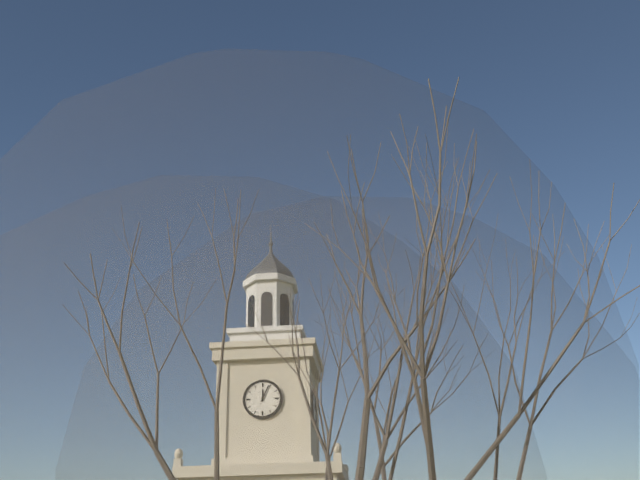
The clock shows h=12 m=4
